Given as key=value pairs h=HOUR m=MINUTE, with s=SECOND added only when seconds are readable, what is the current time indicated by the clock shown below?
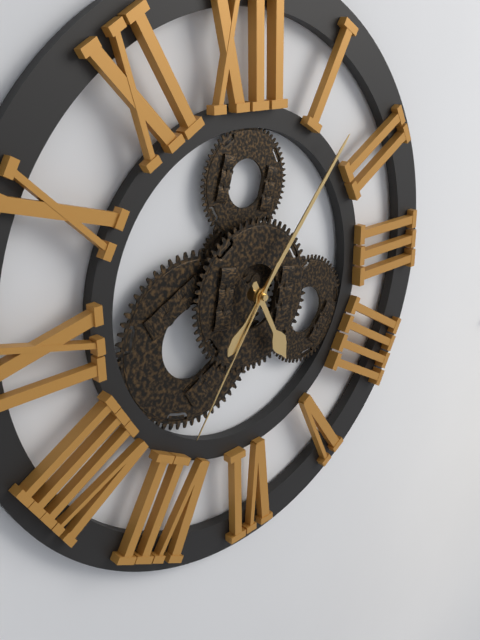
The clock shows h=5 m=7 s=36
